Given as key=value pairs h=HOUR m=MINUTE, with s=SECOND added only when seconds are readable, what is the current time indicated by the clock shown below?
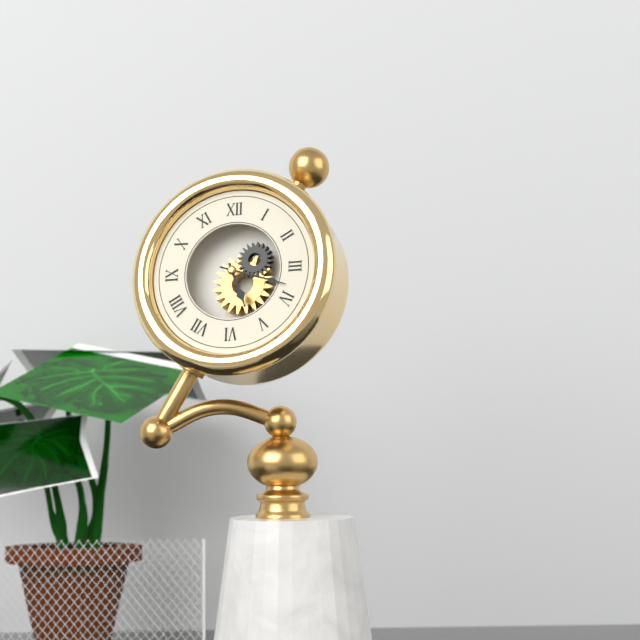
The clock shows h=5 m=18
